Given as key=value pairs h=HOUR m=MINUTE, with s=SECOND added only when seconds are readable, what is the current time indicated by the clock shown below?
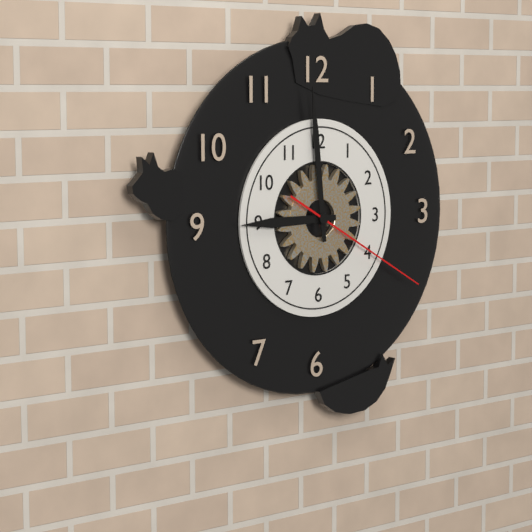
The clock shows h=8 m=59 s=20
